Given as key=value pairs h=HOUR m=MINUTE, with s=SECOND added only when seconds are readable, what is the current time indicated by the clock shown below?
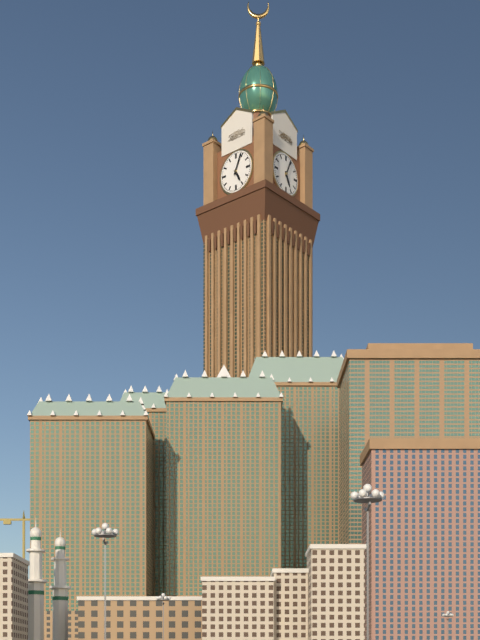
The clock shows h=5 m=4
